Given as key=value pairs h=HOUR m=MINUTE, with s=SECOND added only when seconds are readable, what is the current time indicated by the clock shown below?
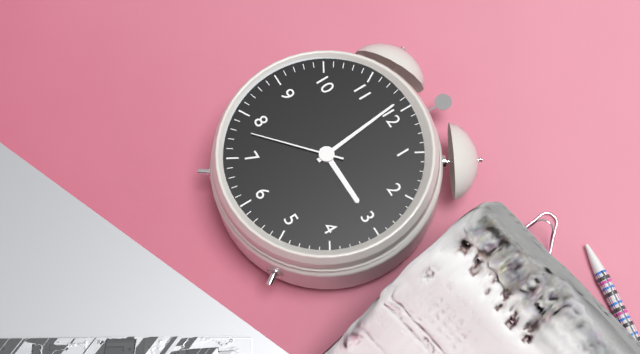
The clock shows h=2 m=59 s=38
